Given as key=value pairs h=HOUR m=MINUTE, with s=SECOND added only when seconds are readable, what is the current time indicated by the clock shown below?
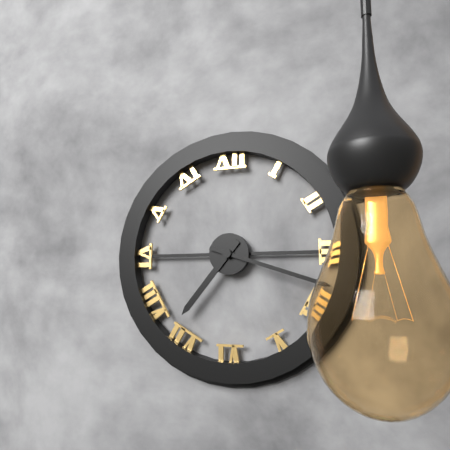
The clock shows h=7 m=18
